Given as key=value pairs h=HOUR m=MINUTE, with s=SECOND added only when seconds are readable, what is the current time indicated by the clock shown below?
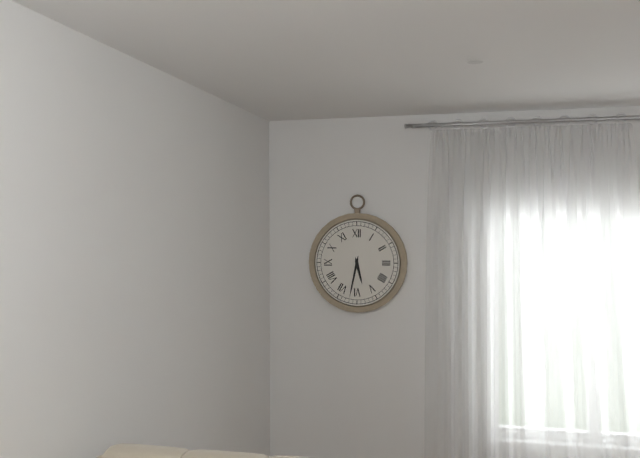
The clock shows h=5 m=32
